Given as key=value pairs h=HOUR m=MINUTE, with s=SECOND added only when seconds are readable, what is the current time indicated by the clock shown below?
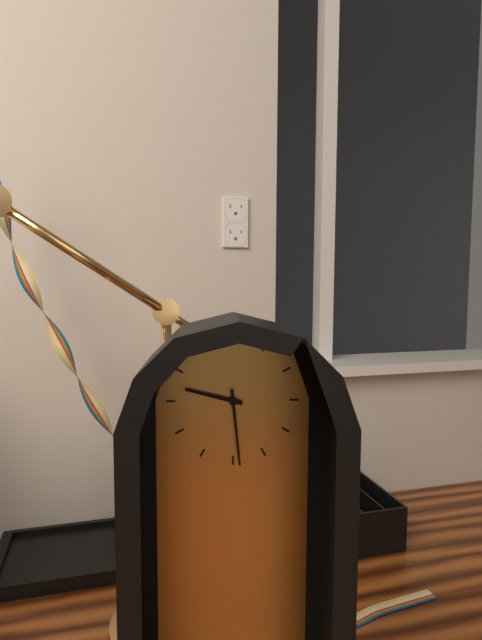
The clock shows h=9 m=29
